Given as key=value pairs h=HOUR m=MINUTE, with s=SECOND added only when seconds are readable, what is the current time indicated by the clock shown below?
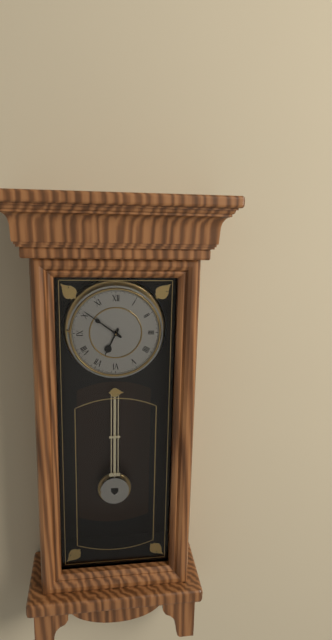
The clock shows h=6 m=51
